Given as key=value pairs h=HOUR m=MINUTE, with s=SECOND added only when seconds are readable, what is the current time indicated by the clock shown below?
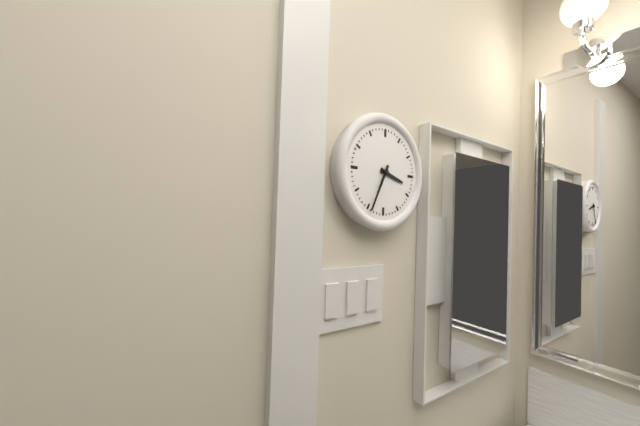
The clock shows h=3 m=34
